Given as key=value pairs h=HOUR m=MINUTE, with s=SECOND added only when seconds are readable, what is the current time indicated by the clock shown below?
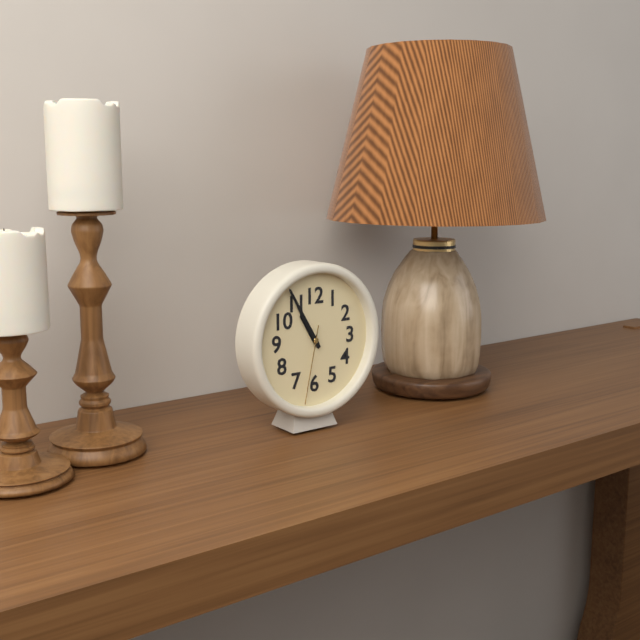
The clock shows h=10 m=55 s=32
